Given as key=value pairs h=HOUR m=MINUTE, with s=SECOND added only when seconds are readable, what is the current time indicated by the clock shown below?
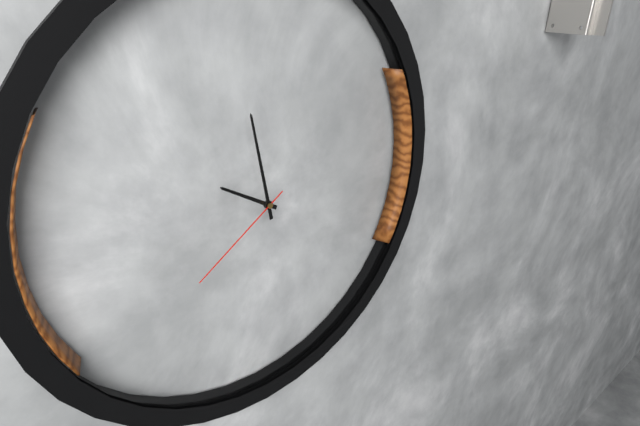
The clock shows h=9 m=58 s=39
